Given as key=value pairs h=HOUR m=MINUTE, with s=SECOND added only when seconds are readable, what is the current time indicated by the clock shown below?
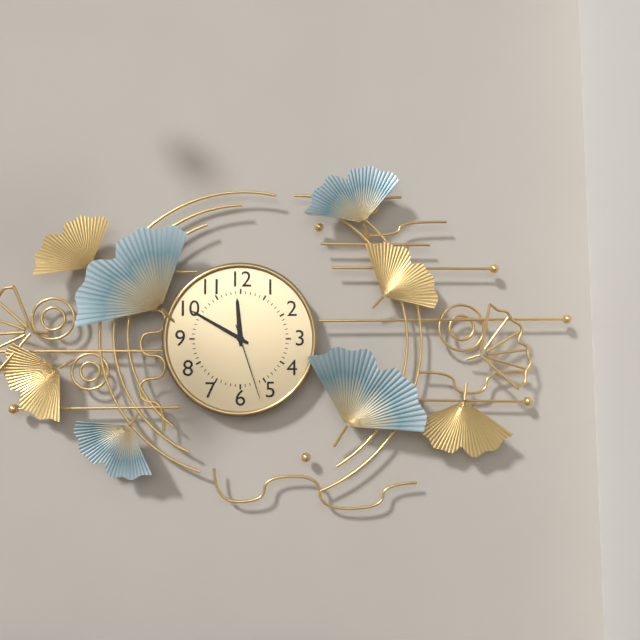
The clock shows h=11 m=50 s=27
